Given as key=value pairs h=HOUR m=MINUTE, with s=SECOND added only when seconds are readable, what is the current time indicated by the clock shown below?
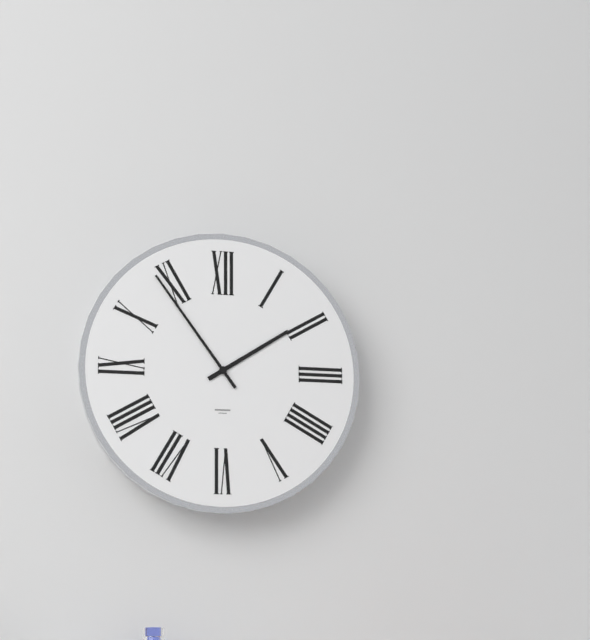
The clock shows h=1 m=54
